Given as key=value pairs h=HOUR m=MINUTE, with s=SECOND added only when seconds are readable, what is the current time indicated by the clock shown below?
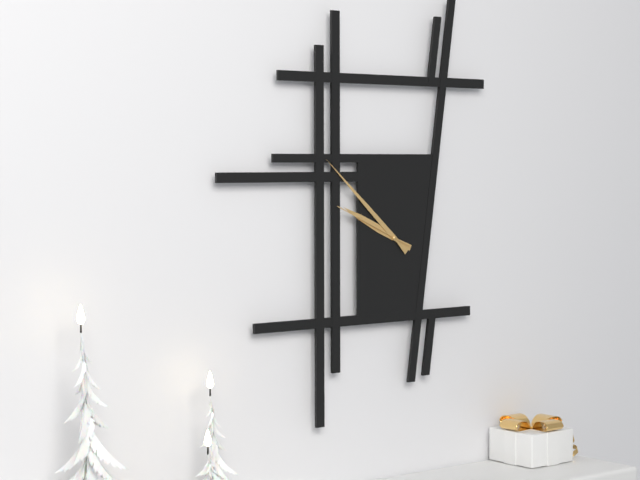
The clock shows h=9 m=52 s=49
